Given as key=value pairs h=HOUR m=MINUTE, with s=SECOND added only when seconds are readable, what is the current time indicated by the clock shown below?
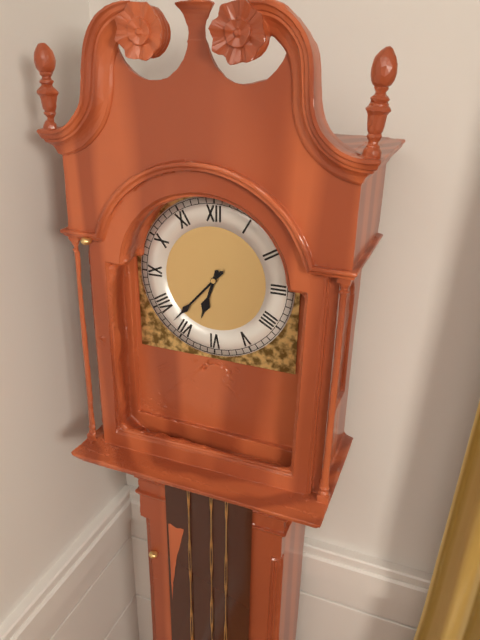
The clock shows h=6 m=37
